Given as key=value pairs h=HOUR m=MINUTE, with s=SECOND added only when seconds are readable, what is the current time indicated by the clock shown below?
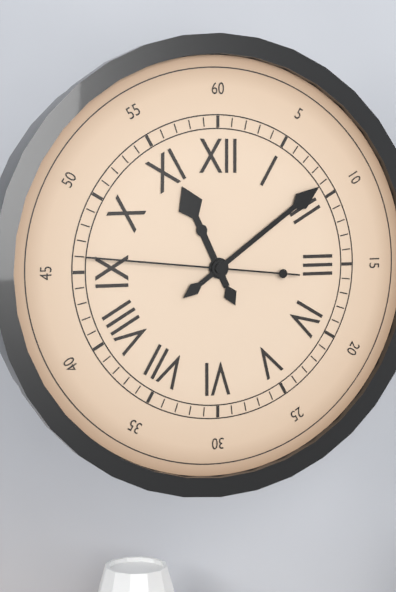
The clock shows h=11 m=9 s=46
